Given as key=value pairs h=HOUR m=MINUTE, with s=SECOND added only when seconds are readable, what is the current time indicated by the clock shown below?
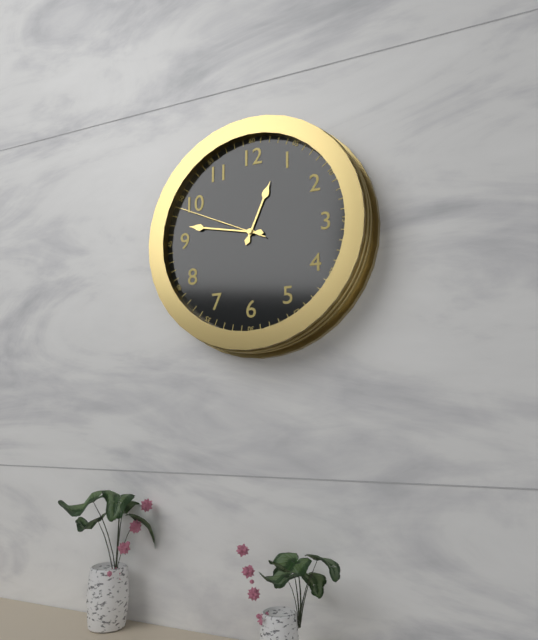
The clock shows h=12 m=47 s=49
